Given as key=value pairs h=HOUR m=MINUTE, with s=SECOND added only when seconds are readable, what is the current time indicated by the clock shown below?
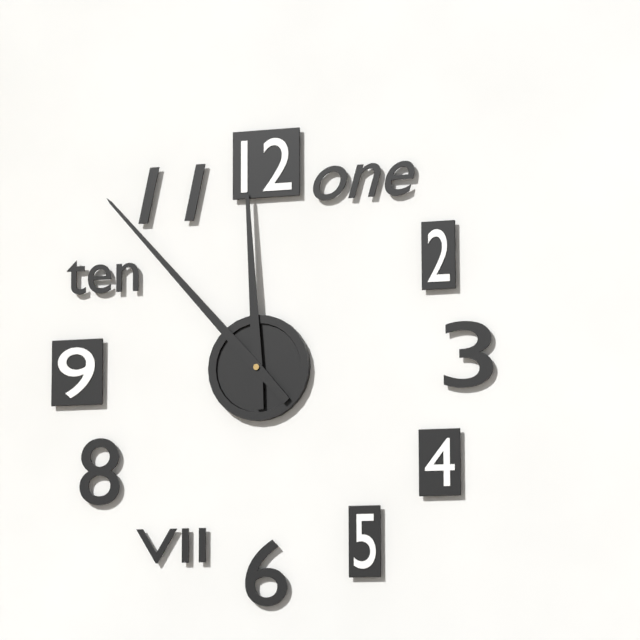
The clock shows h=11 m=53
